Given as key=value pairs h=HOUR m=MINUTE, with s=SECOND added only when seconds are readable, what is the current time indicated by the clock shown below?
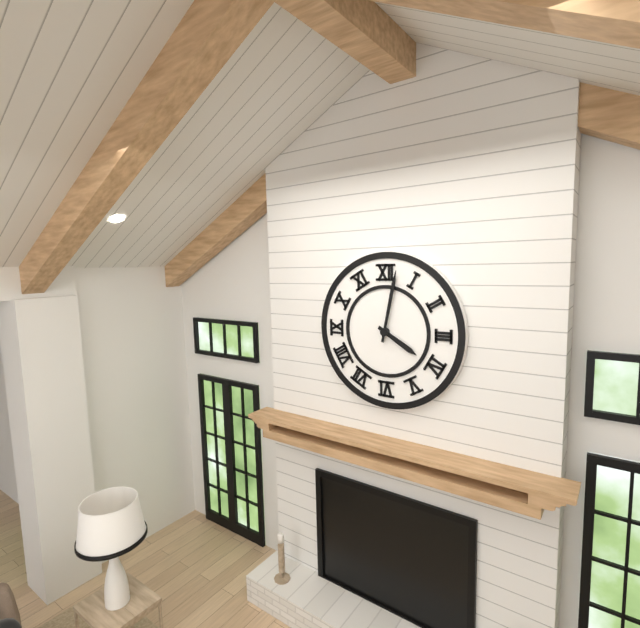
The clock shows h=4 m=2
